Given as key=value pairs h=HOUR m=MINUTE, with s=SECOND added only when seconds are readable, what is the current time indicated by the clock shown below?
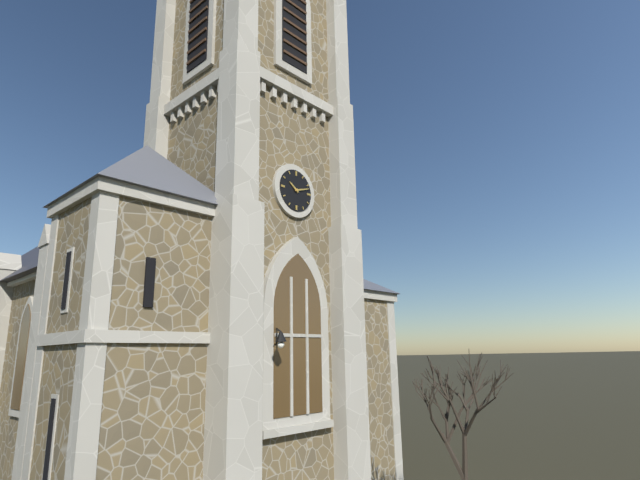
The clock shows h=10 m=12
